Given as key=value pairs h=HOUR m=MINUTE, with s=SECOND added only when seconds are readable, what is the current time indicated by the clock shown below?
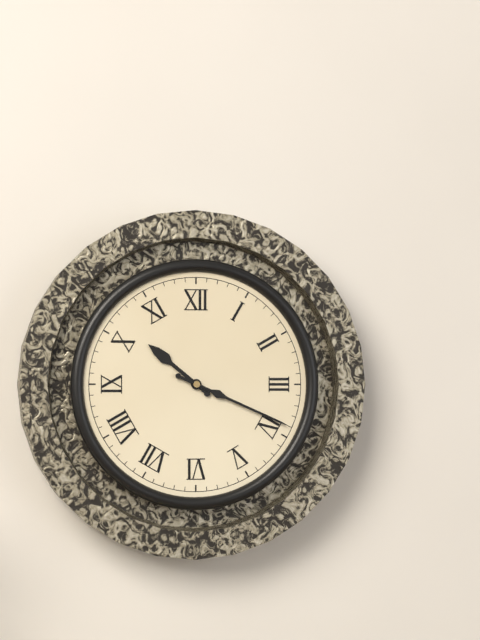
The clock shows h=10 m=19
